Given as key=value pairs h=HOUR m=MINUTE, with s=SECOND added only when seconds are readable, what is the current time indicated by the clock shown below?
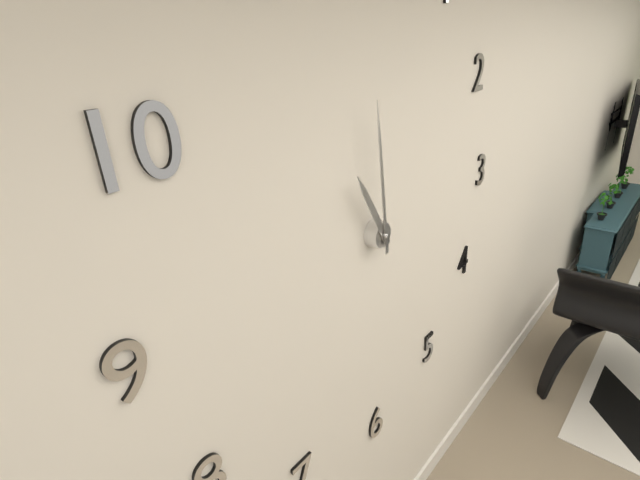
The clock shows h=10 m=59
